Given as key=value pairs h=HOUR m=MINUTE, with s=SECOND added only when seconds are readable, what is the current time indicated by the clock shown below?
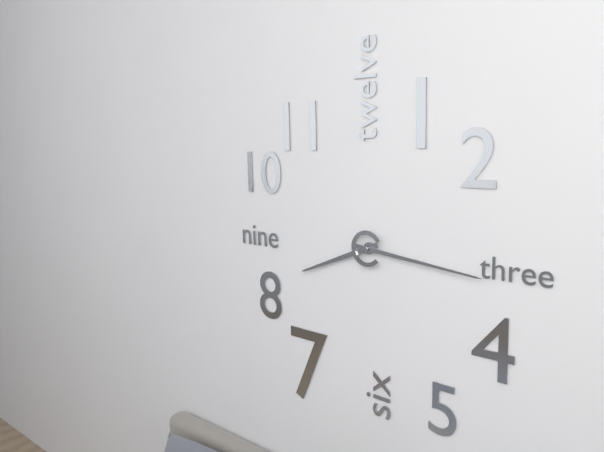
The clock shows h=8 m=16
